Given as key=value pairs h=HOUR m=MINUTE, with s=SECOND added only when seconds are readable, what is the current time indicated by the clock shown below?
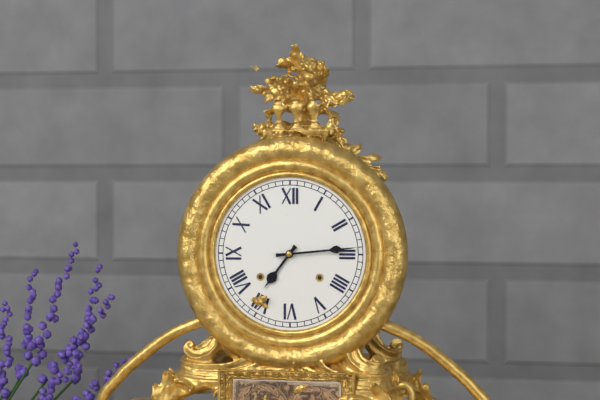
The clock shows h=7 m=14
